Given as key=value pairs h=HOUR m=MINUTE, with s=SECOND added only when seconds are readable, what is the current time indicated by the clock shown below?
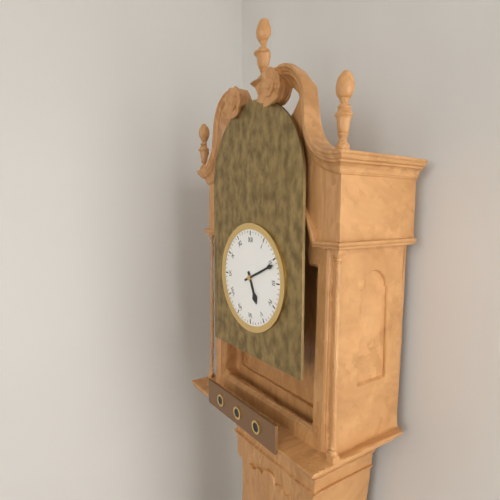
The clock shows h=5 m=11
